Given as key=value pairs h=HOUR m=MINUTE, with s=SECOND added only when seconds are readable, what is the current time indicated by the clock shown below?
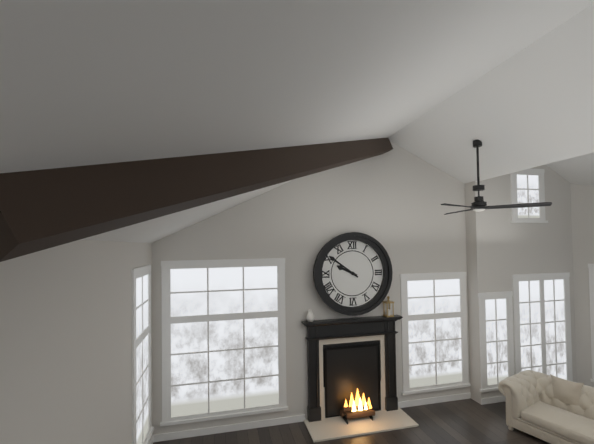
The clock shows h=9 m=51
